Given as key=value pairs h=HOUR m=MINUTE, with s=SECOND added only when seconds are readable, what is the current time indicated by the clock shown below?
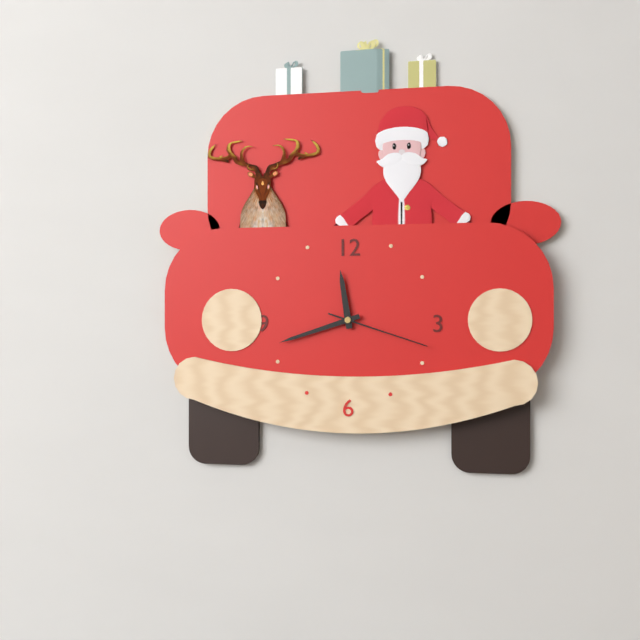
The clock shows h=11 m=42 s=18
